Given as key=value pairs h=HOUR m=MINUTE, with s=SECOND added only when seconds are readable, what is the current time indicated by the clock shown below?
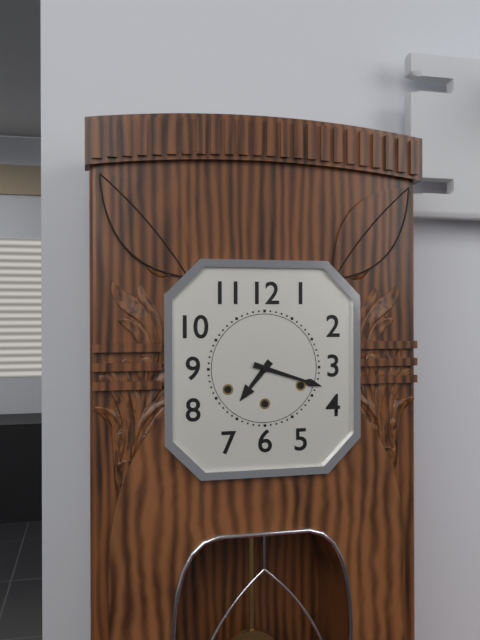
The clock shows h=7 m=18
